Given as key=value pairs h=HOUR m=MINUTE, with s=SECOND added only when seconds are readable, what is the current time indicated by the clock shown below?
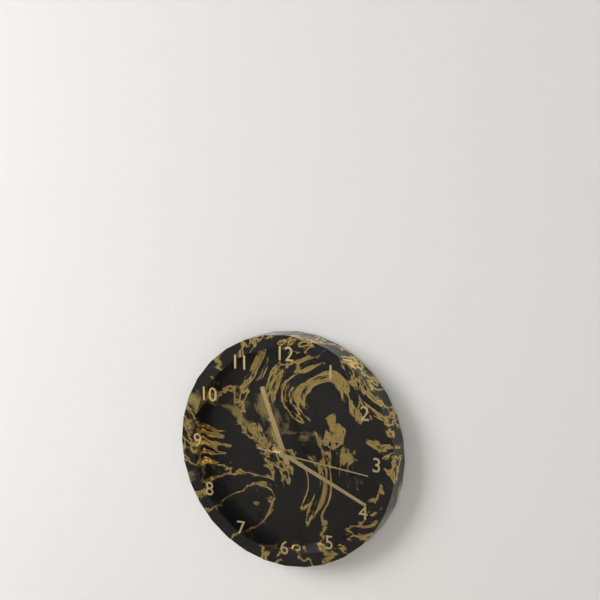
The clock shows h=11 m=19 s=16
